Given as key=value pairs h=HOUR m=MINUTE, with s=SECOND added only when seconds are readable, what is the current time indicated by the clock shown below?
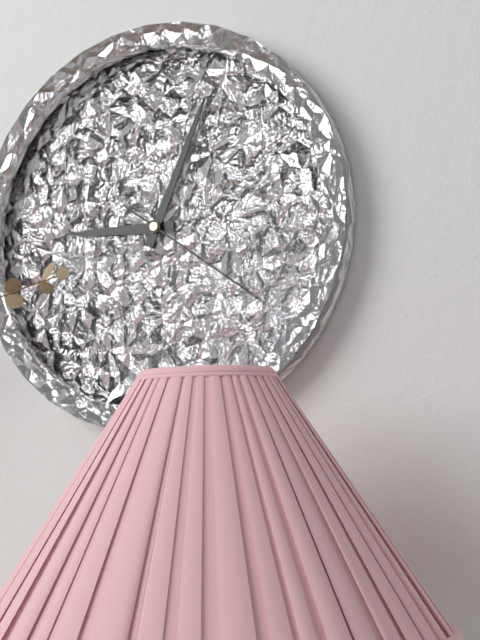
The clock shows h=9 m=4 s=21
